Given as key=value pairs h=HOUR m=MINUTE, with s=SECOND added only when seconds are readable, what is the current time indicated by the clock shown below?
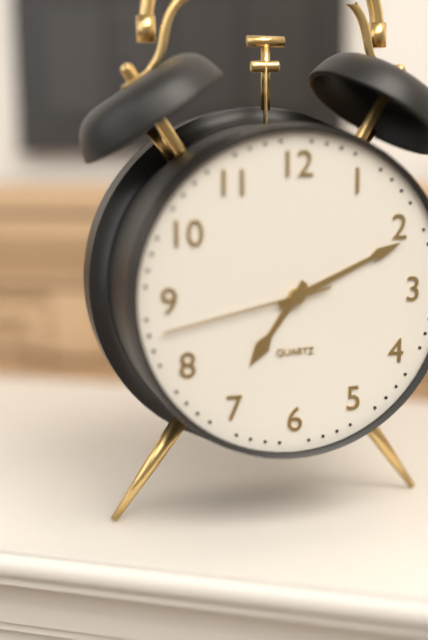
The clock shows h=7 m=11 s=43
